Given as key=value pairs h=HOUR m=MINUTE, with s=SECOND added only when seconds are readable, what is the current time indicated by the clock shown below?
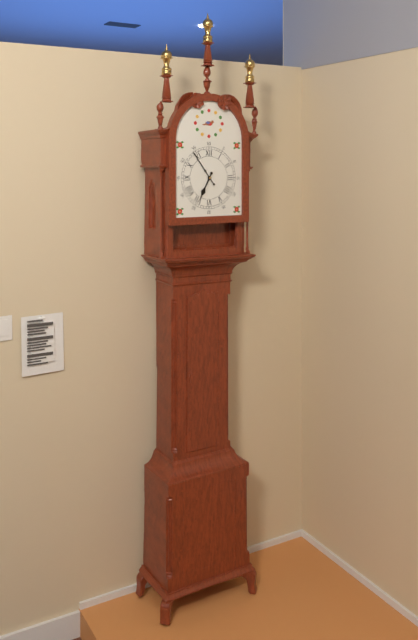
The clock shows h=6 m=54
